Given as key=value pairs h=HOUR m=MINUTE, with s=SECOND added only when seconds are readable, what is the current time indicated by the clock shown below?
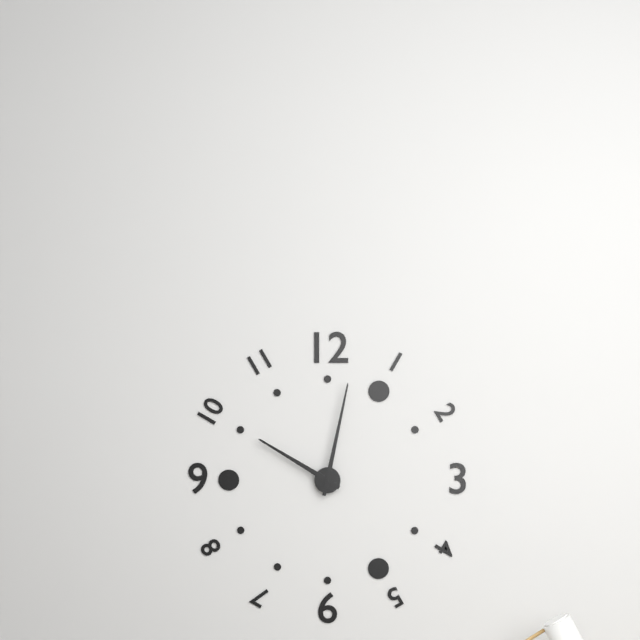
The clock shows h=10 m=2
